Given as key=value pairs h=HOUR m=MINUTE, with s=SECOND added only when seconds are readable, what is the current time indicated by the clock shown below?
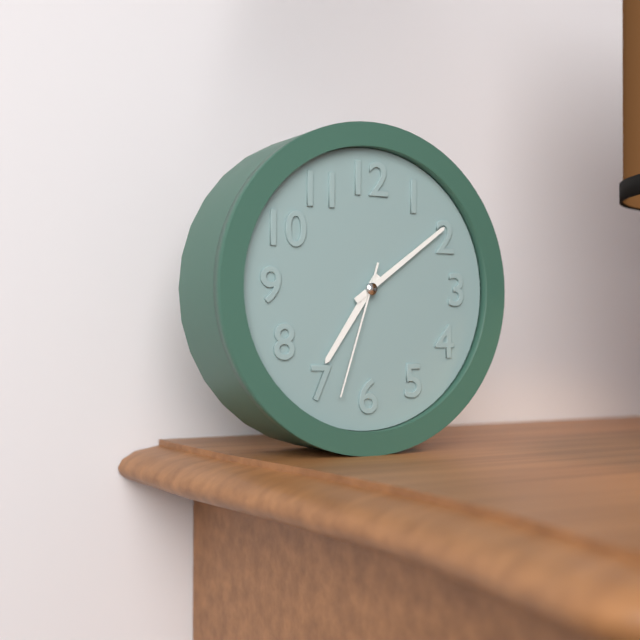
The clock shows h=7 m=9 s=33
